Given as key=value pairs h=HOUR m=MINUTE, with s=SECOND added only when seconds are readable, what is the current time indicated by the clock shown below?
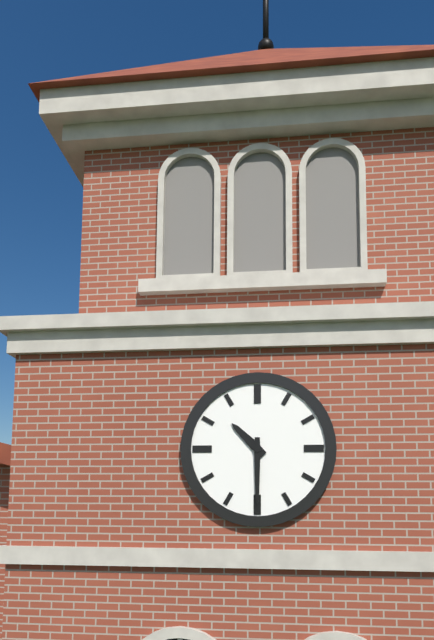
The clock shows h=10 m=30
